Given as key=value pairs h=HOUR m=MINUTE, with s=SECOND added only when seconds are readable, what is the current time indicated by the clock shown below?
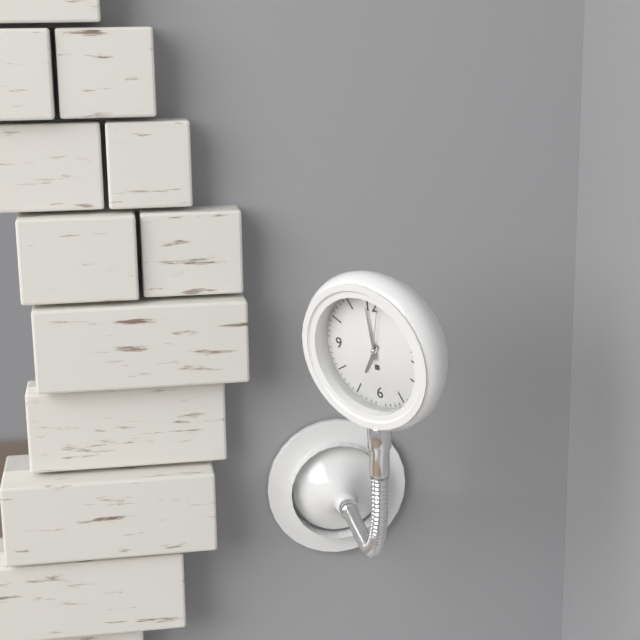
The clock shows h=6 m=59 s=2
